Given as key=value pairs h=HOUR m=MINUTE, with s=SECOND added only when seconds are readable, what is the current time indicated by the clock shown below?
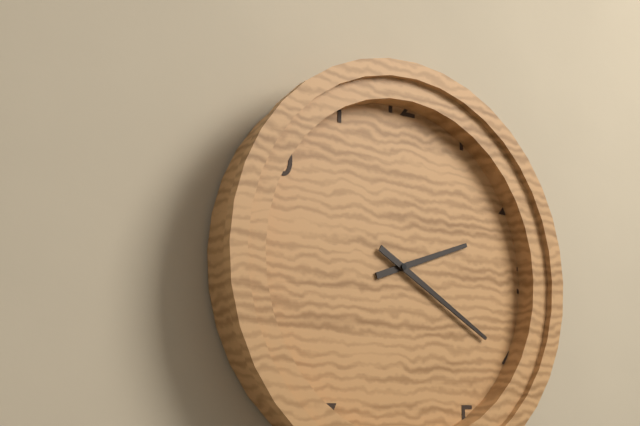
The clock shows h=2 m=20
